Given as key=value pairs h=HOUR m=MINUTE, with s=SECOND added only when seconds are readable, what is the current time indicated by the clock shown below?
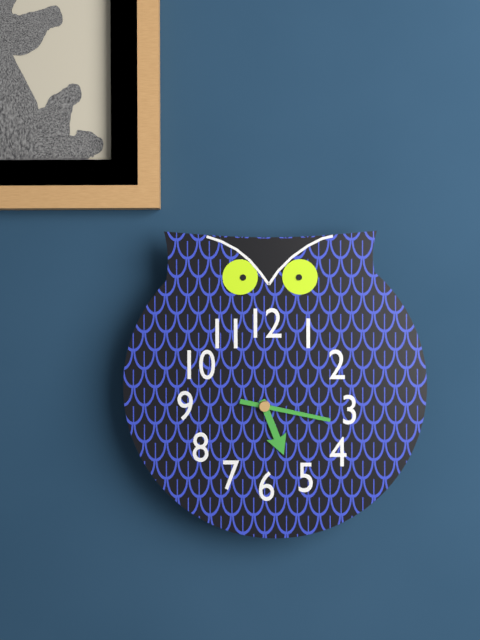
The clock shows h=5 m=17
